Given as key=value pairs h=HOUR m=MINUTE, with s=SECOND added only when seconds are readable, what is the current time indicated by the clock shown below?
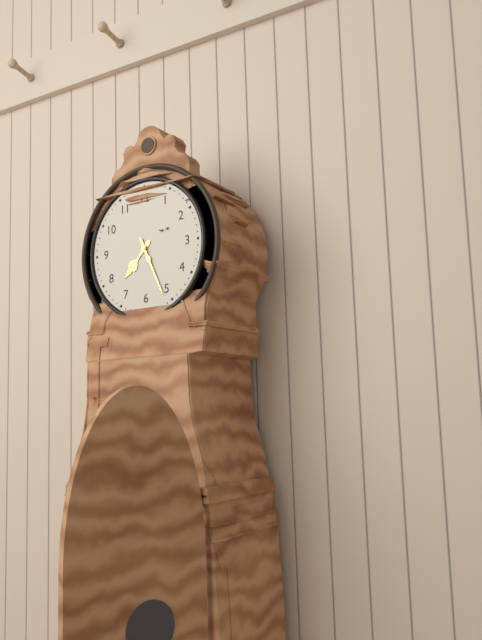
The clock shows h=7 m=26
